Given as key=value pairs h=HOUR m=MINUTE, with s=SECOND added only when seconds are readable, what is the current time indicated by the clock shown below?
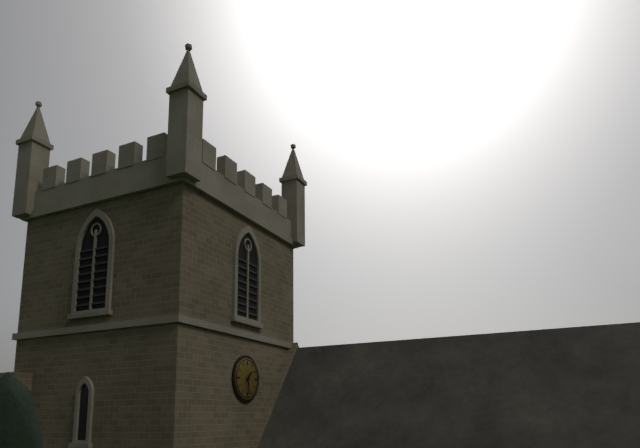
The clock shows h=1 m=29
